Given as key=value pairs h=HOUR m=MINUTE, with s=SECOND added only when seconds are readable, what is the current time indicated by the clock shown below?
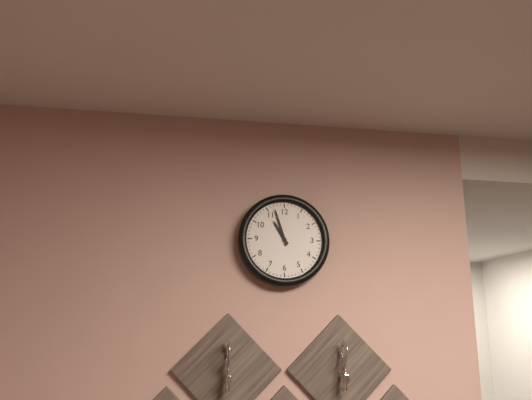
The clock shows h=10 m=57
